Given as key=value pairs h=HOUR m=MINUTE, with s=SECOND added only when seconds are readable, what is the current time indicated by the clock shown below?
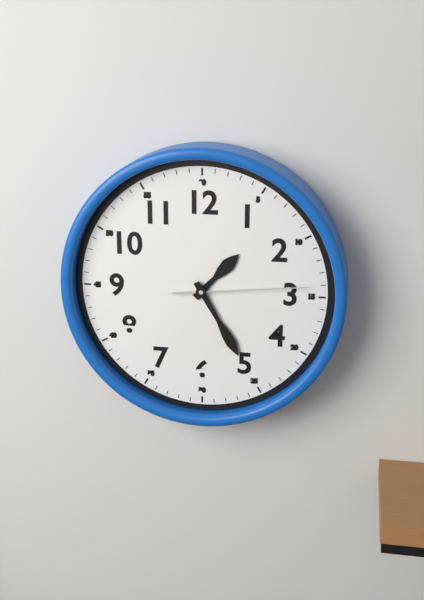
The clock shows h=1 m=25 s=14
